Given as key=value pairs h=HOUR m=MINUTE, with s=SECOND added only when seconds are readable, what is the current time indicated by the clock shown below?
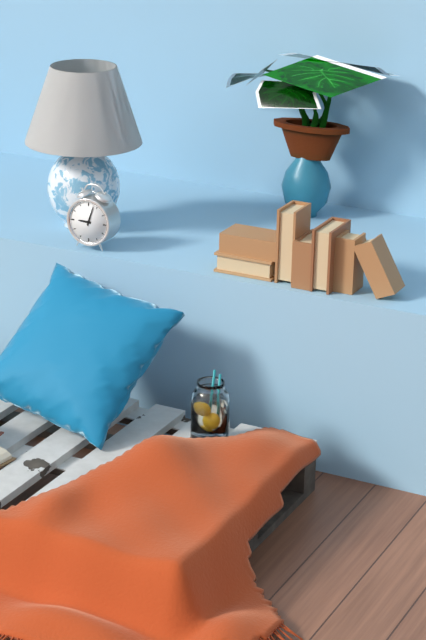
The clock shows h=9 m=3
